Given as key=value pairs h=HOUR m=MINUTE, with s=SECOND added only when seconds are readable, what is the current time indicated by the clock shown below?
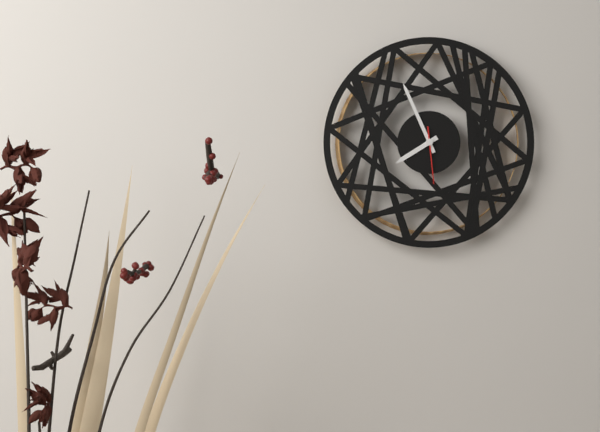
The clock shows h=7 m=56 s=29
